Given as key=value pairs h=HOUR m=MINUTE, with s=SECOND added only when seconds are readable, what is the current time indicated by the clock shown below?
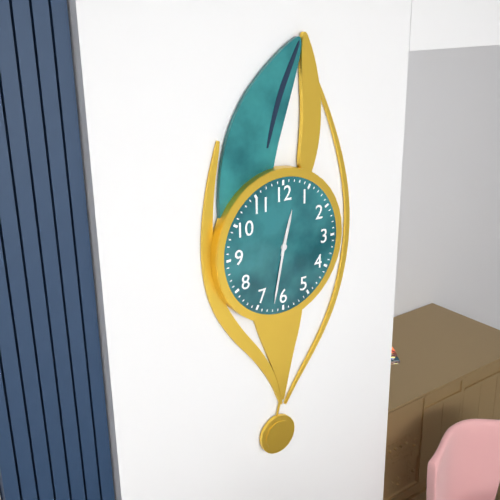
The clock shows h=12 m=32
